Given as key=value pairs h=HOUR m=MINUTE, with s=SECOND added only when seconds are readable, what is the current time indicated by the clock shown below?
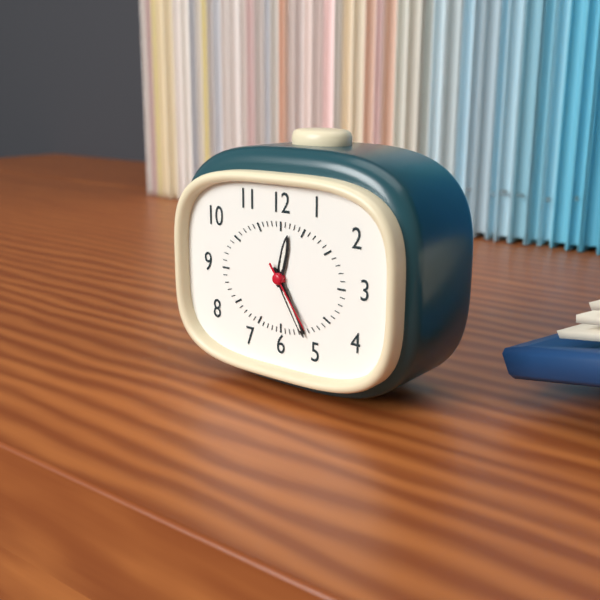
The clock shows h=12 m=25 s=24
